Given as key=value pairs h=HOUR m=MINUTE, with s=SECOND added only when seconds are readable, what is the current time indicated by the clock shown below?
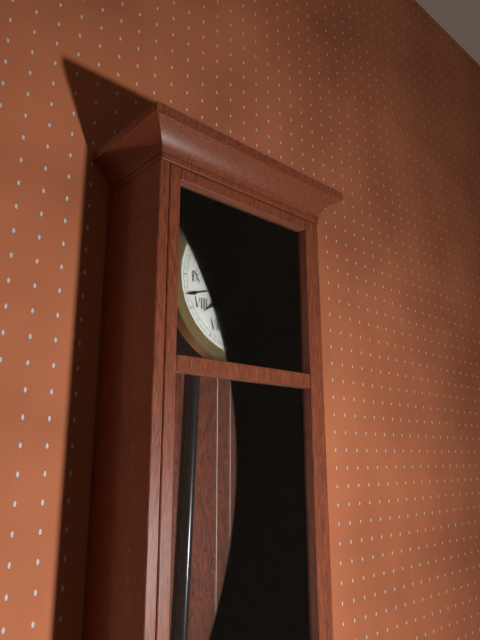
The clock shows h=7 m=42
